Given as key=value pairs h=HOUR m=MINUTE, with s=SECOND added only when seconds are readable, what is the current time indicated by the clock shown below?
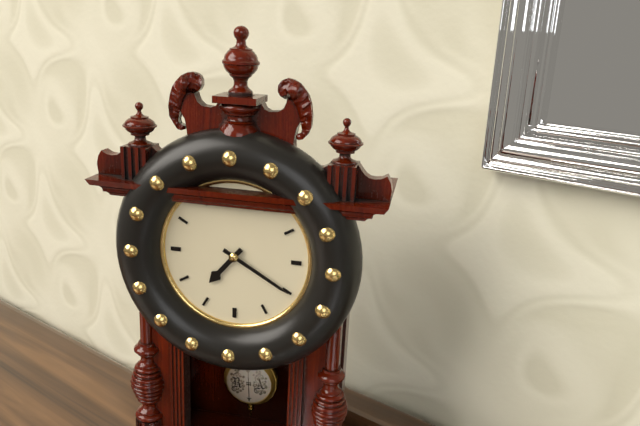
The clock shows h=7 m=20
